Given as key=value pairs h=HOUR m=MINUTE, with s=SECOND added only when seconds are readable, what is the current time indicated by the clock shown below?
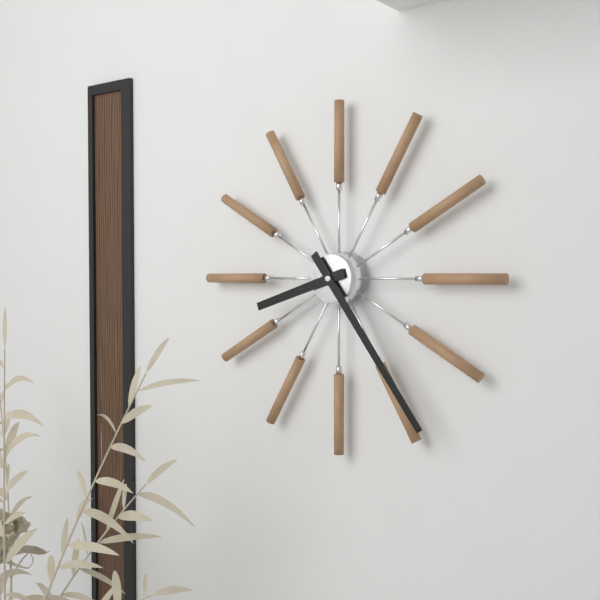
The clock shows h=8 m=24
